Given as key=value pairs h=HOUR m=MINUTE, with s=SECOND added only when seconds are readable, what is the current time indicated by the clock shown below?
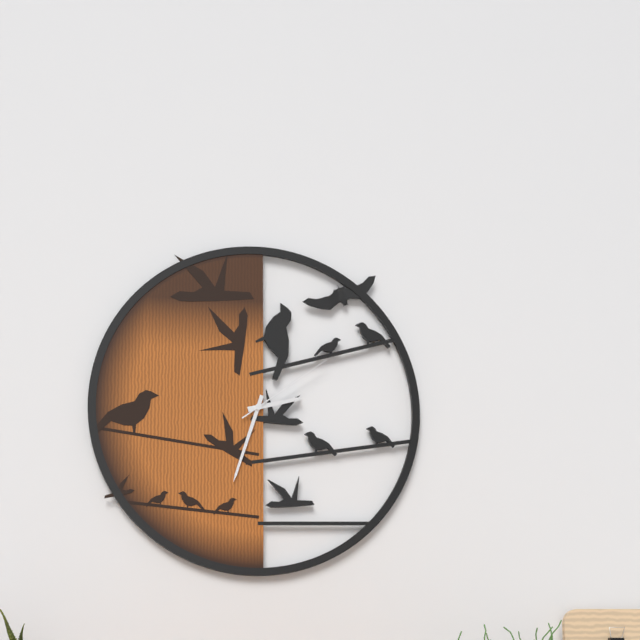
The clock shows h=2 m=33 s=9
